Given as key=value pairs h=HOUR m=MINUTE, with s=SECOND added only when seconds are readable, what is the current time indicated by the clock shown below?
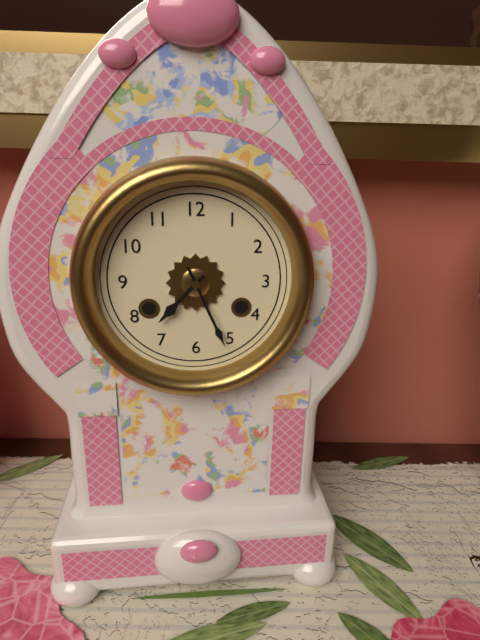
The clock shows h=7 m=26
